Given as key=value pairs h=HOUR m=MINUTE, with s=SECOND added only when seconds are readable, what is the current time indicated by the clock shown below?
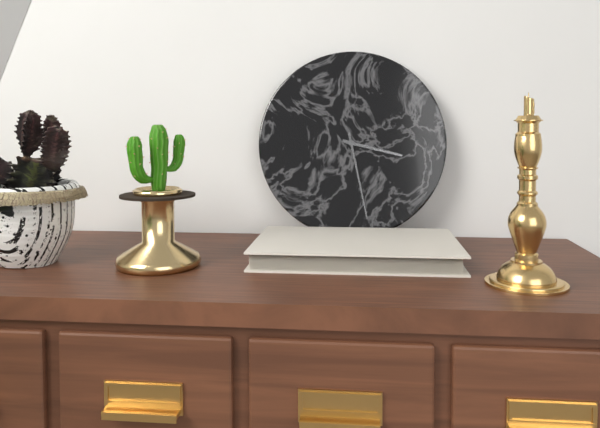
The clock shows h=3 m=28
